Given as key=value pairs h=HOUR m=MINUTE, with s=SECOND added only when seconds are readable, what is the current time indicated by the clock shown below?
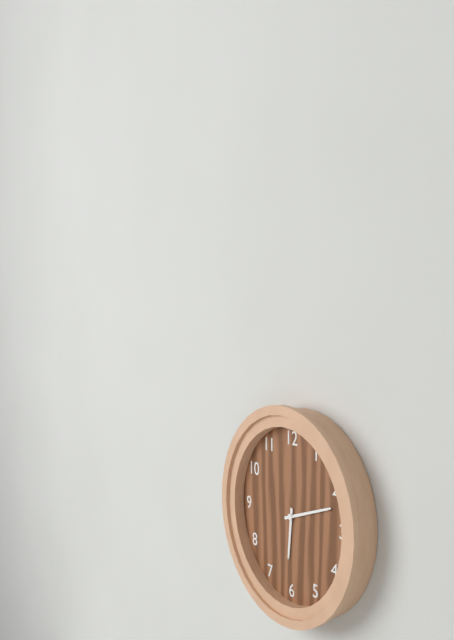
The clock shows h=6 m=12
